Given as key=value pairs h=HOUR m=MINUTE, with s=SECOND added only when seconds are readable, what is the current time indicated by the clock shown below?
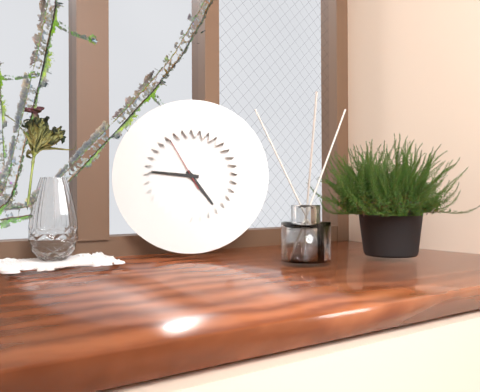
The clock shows h=4 m=46
